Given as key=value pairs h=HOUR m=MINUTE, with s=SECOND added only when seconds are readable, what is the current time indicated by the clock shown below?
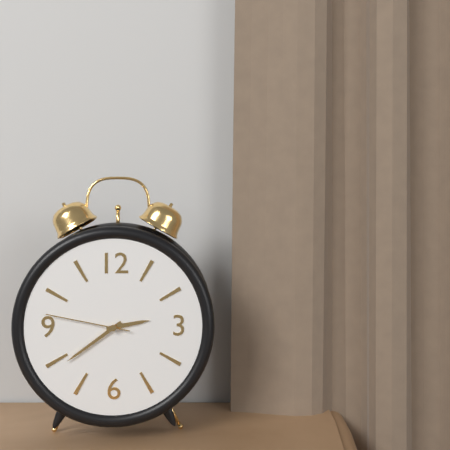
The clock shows h=2 m=39 s=47
